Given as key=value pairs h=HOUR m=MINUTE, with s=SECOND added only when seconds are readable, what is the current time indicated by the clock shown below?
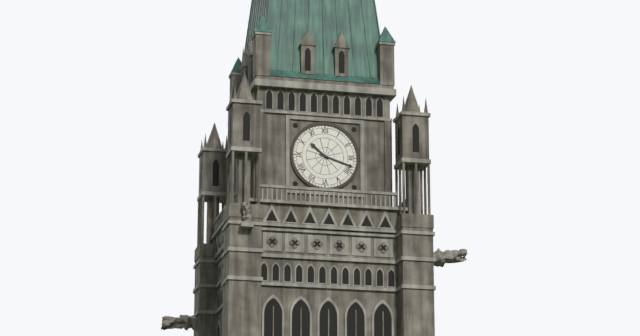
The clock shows h=10 m=18
